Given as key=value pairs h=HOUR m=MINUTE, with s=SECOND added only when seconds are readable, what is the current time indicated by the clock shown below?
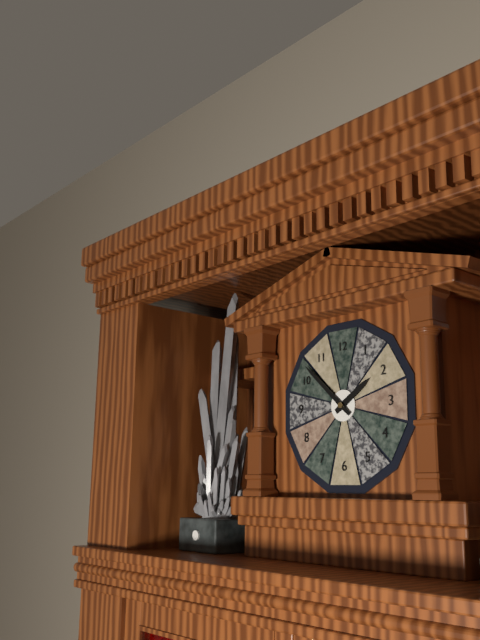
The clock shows h=1 m=52
